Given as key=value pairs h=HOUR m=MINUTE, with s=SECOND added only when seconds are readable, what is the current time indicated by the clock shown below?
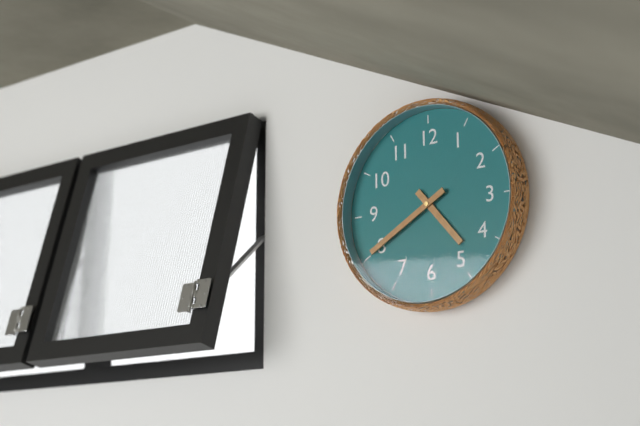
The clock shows h=4 m=40
